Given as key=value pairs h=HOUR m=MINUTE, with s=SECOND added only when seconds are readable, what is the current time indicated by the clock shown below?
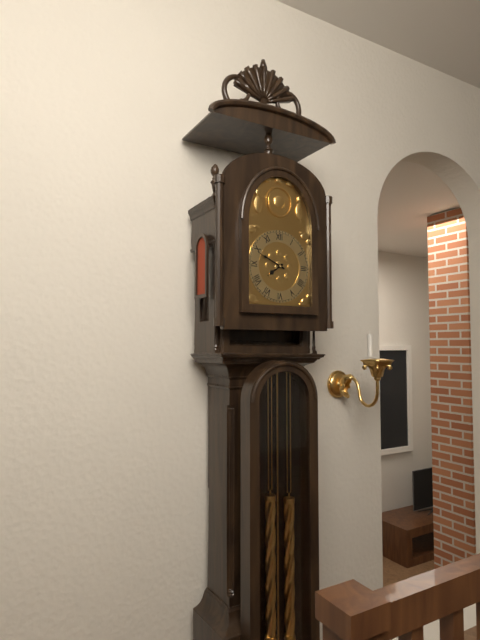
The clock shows h=7 m=49
